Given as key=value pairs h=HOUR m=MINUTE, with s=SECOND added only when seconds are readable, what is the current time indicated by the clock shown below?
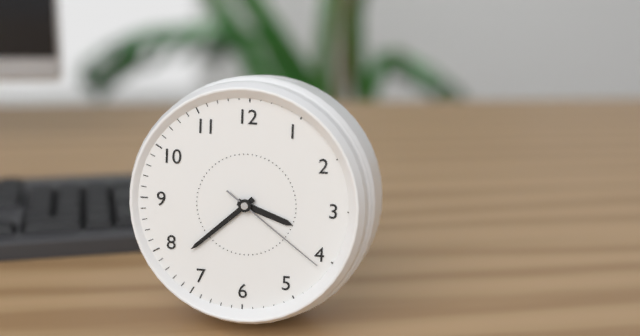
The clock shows h=3 m=38 s=21
